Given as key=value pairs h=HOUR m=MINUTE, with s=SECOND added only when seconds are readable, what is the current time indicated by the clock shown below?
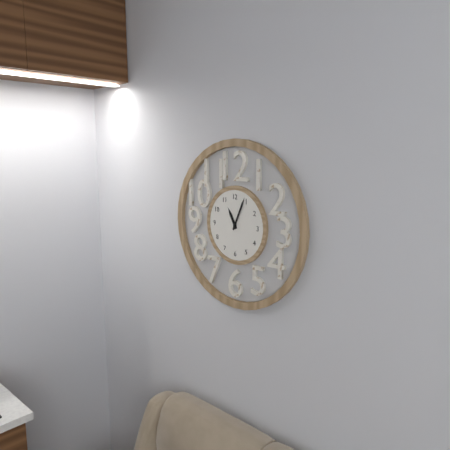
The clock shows h=11 m=4
